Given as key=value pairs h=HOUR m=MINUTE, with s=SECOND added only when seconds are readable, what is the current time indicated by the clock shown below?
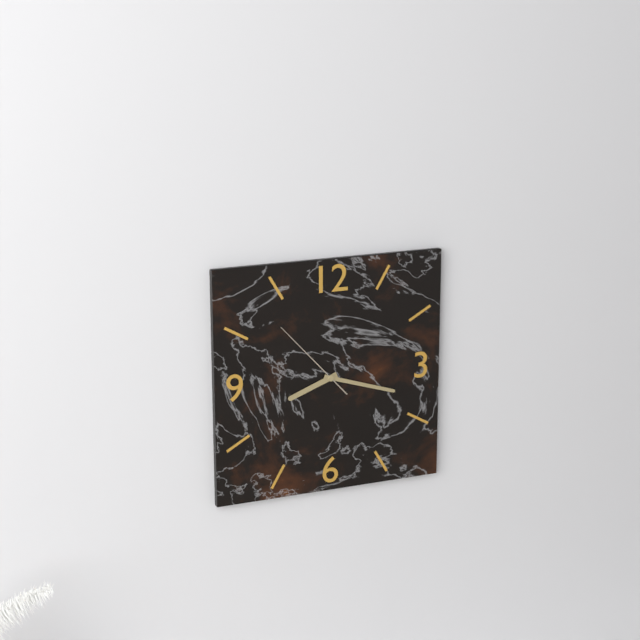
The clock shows h=8 m=18 s=53
